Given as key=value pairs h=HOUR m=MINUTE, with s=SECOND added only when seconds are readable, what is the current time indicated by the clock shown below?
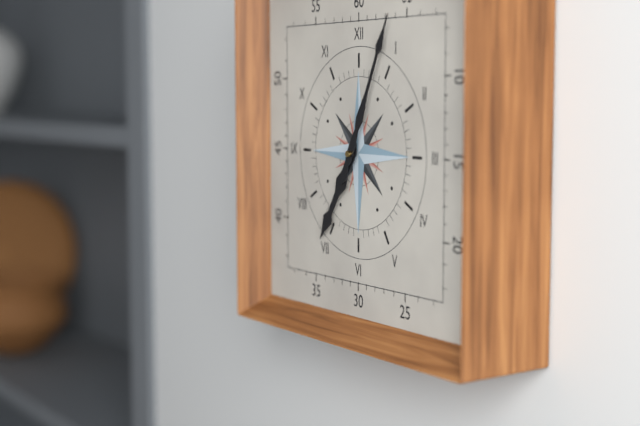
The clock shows h=7 m=4
